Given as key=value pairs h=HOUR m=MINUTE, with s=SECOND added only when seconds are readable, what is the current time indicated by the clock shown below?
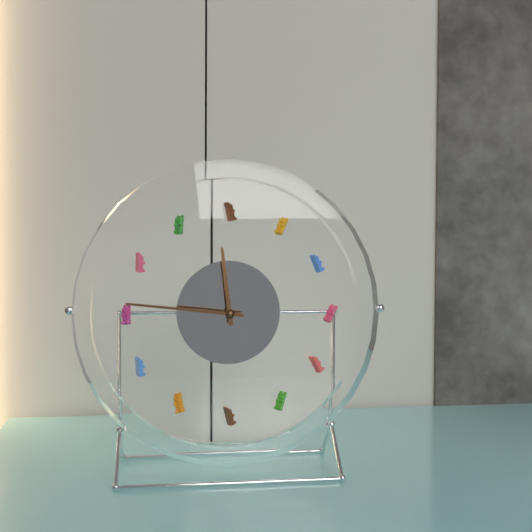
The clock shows h=11 m=46
